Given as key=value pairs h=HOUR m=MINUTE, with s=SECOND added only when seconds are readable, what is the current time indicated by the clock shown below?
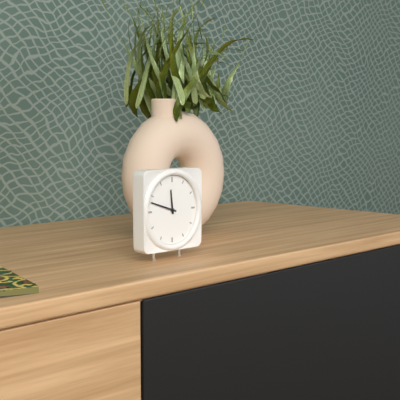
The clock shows h=11 m=48
